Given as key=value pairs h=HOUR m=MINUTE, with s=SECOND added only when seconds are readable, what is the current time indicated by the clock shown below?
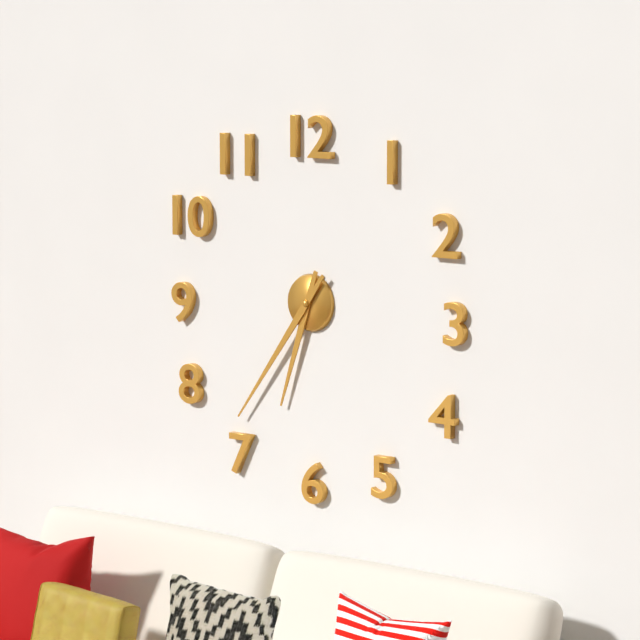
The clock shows h=6 m=36
